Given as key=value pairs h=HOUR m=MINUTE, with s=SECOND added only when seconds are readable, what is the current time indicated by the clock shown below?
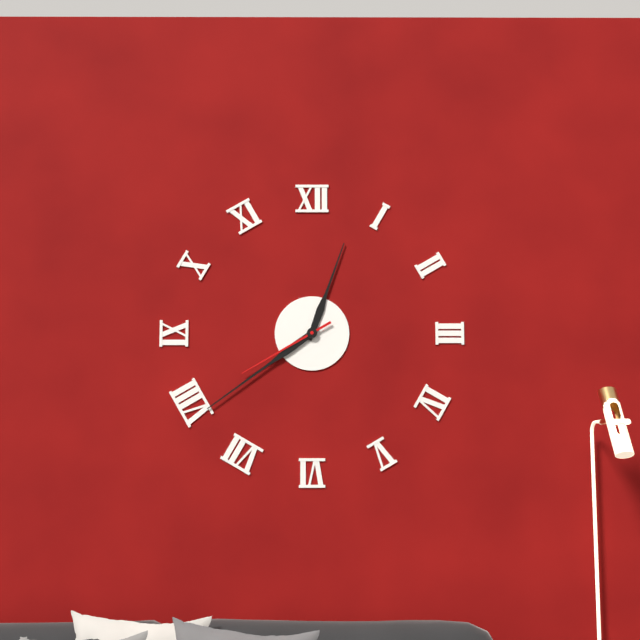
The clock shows h=12 m=39 s=40
